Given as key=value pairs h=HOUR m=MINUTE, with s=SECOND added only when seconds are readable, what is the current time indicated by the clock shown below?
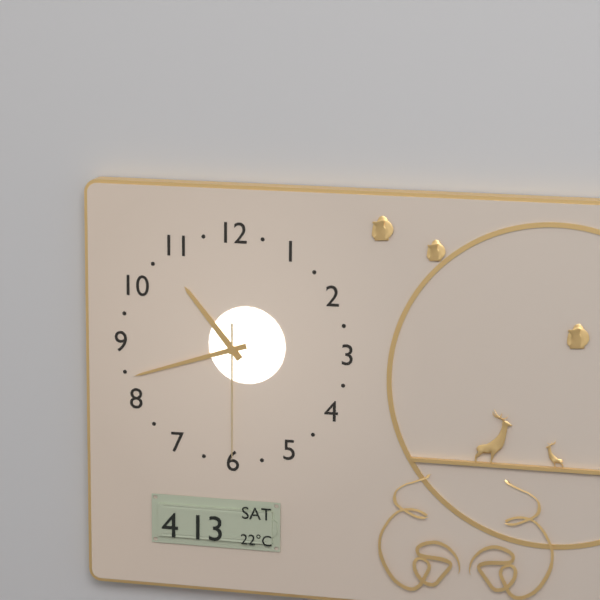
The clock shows h=10 m=42 s=30
